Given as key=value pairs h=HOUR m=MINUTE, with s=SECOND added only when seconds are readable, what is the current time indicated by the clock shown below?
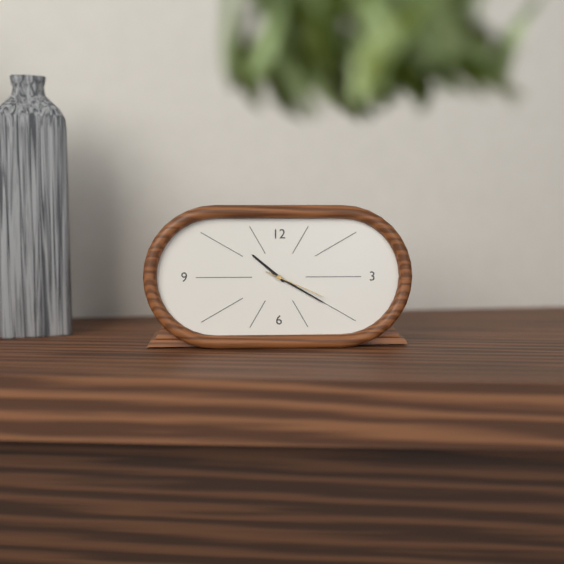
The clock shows h=10 m=20 s=19
